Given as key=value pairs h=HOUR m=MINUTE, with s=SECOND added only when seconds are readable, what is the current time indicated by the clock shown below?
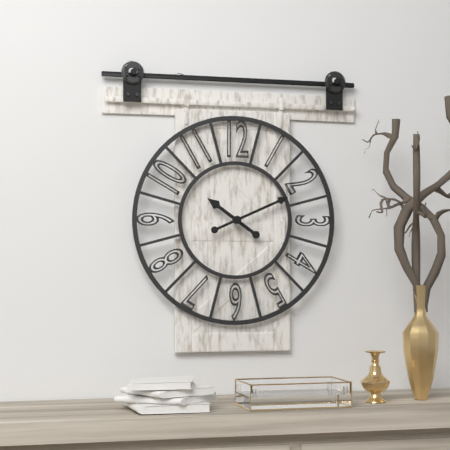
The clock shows h=10 m=11
